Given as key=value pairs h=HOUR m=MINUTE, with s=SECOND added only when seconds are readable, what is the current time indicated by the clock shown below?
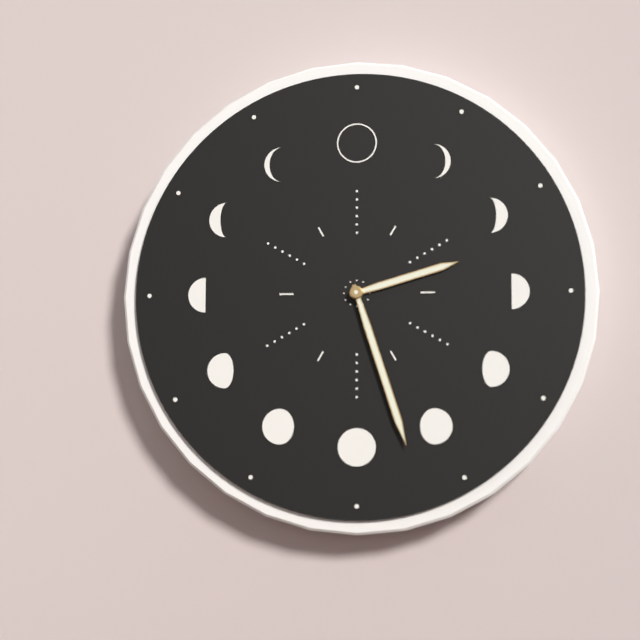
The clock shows h=2 m=27
